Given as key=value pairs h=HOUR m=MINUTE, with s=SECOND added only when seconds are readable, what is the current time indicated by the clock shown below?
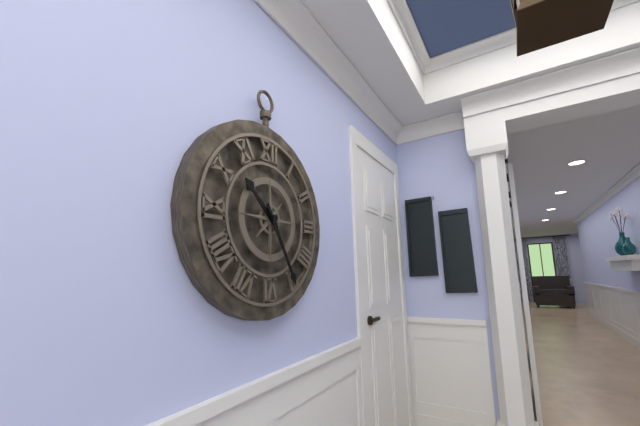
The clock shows h=10 m=25
